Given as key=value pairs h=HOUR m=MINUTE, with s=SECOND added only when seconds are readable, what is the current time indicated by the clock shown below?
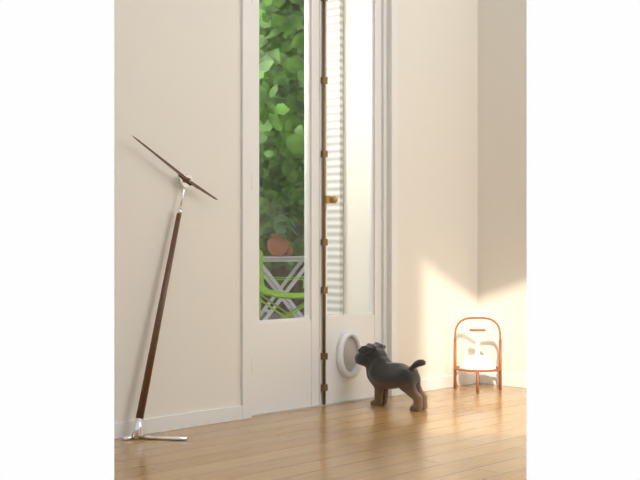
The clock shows h=3 m=50
